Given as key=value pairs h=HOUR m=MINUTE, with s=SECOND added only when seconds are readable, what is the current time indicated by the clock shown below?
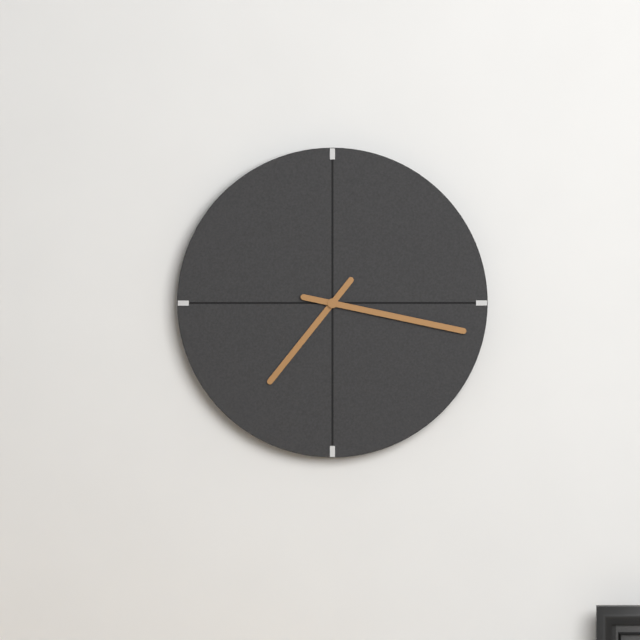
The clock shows h=7 m=17
